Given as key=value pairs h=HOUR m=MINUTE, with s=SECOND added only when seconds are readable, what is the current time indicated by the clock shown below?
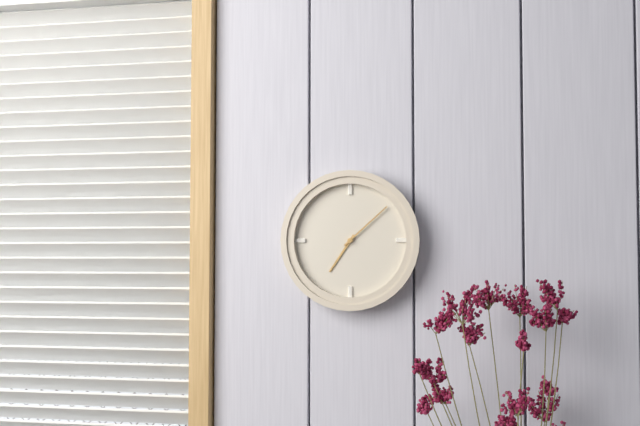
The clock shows h=7 m=8
